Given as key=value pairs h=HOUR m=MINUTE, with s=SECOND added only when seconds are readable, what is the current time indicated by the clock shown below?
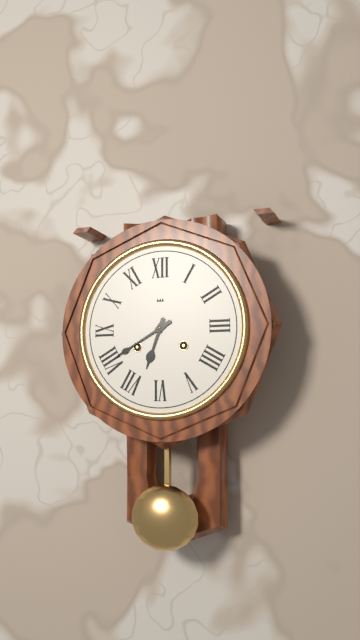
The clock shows h=6 m=40
